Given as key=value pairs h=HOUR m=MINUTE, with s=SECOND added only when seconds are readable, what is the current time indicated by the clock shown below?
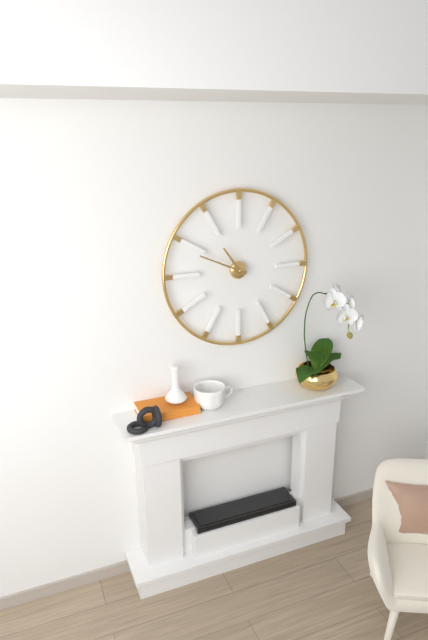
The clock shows h=10 m=49
